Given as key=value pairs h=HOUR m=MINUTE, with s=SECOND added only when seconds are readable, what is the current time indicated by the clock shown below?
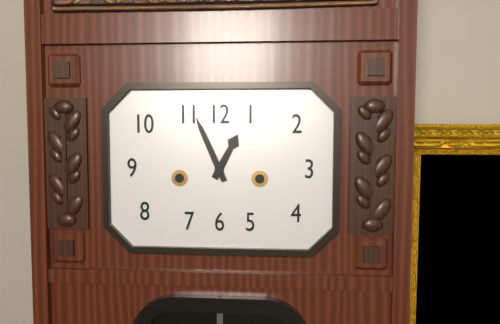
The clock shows h=12 m=56
